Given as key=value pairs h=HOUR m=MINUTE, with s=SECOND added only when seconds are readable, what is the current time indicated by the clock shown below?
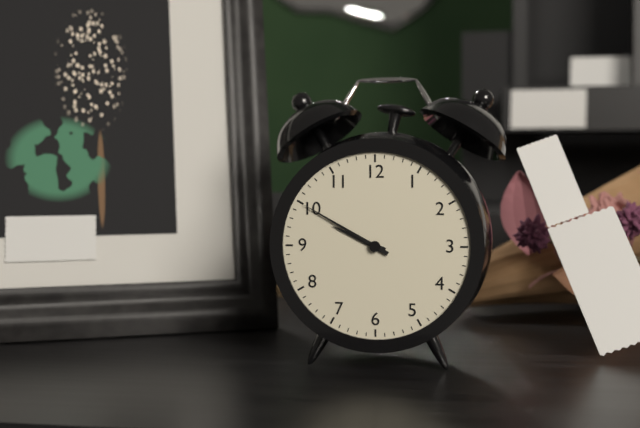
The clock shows h=9 m=50
